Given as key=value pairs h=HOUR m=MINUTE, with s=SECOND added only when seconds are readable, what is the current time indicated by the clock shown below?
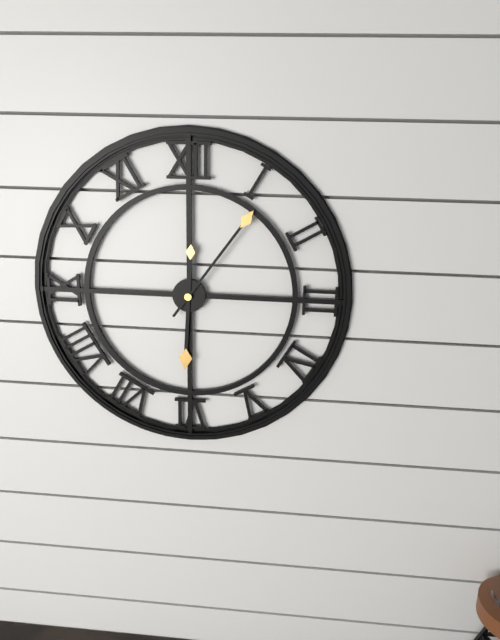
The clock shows h=6 m=6
